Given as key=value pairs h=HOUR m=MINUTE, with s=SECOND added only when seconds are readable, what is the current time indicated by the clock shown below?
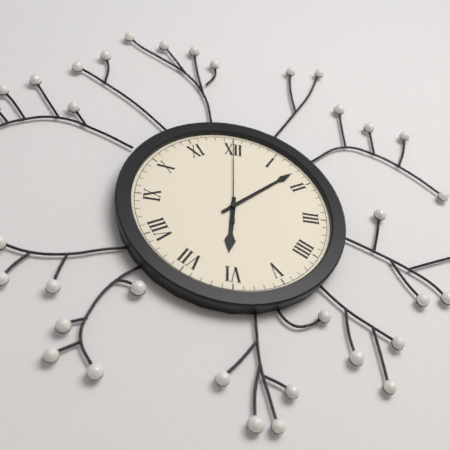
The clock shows h=6 m=8 s=0
